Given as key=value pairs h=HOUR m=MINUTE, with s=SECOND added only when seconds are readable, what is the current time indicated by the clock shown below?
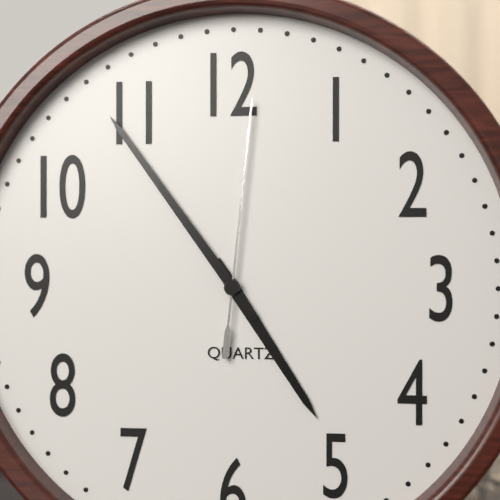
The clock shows h=4 m=54 s=1
